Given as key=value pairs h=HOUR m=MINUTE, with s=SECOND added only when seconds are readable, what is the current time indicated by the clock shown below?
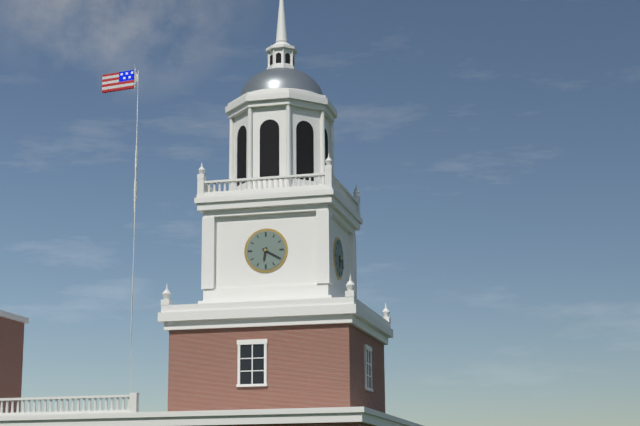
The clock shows h=6 m=20
